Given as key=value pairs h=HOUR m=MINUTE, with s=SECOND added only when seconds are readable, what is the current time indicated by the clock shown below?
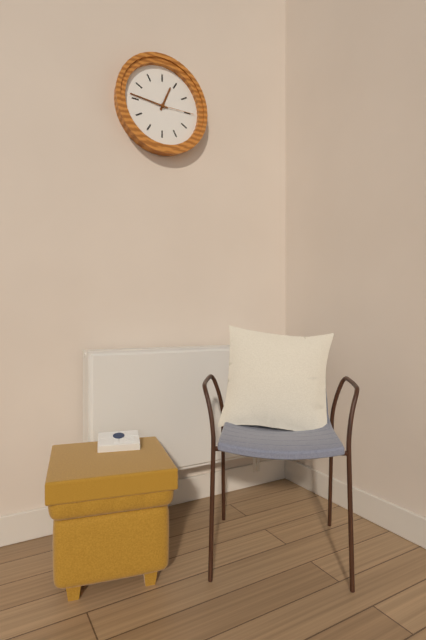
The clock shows h=12 m=46
